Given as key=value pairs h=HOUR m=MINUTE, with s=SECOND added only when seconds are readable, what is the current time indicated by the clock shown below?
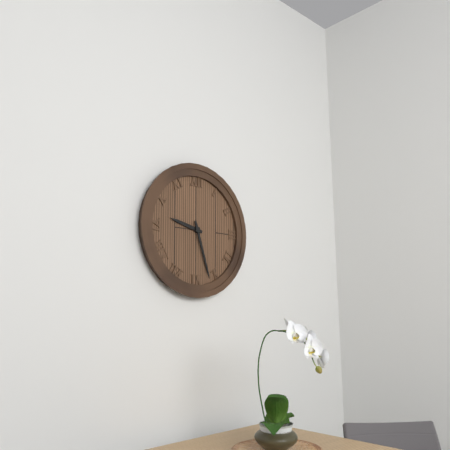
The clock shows h=9 m=27
